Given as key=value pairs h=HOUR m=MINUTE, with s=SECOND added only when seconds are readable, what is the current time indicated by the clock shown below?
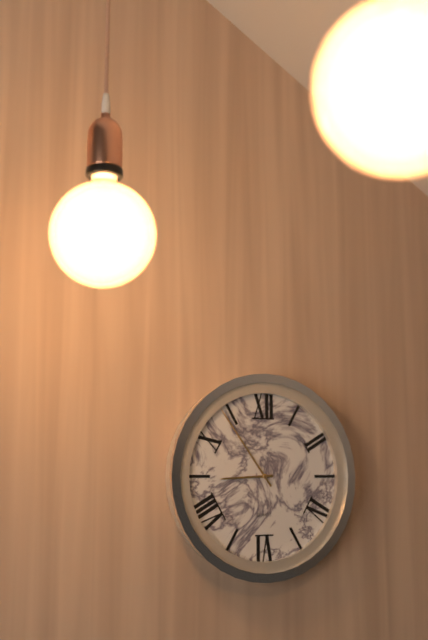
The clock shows h=8 m=54
